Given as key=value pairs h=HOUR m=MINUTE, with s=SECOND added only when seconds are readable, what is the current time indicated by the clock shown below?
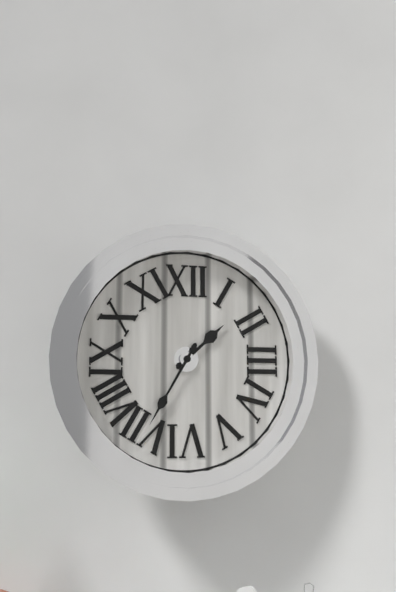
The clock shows h=1 m=35
